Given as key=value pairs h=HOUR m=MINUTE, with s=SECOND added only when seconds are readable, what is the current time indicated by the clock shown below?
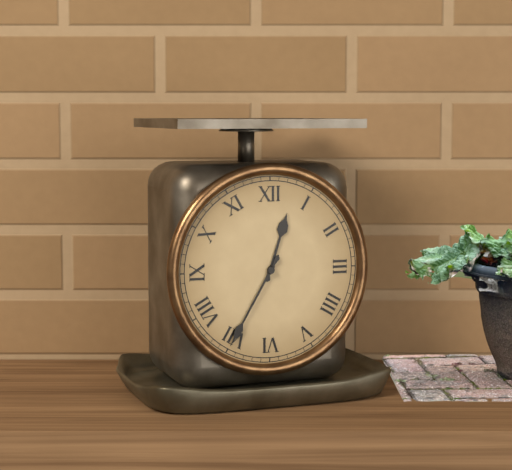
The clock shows h=12 m=35
